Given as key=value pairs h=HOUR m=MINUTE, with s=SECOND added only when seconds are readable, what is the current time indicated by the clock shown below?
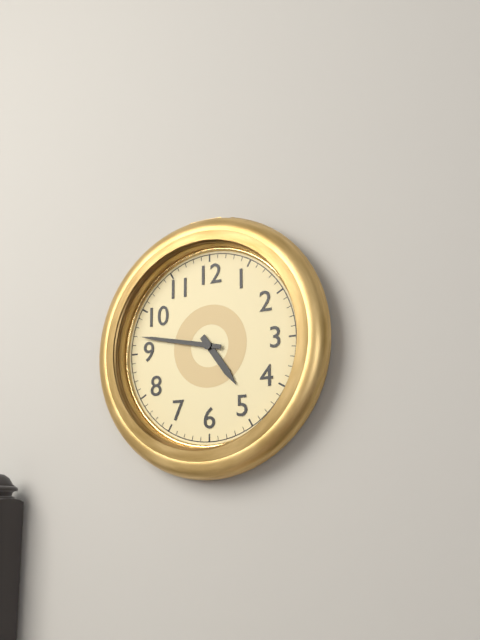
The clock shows h=4 m=47
